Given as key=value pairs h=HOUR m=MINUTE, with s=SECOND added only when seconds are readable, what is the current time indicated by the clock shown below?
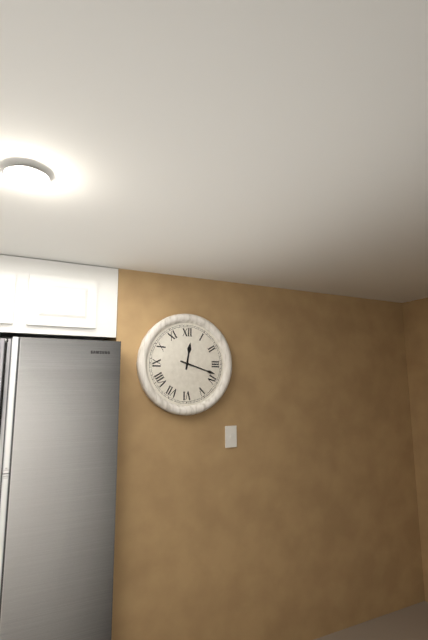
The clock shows h=12 m=18
